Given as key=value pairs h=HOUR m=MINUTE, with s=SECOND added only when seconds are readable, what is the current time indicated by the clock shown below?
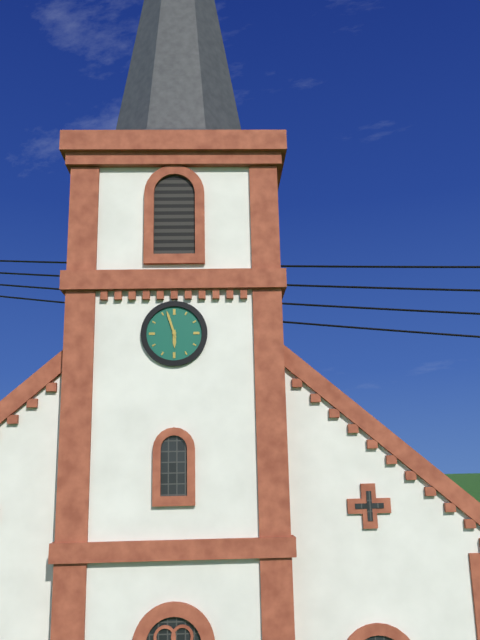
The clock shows h=5 m=57
